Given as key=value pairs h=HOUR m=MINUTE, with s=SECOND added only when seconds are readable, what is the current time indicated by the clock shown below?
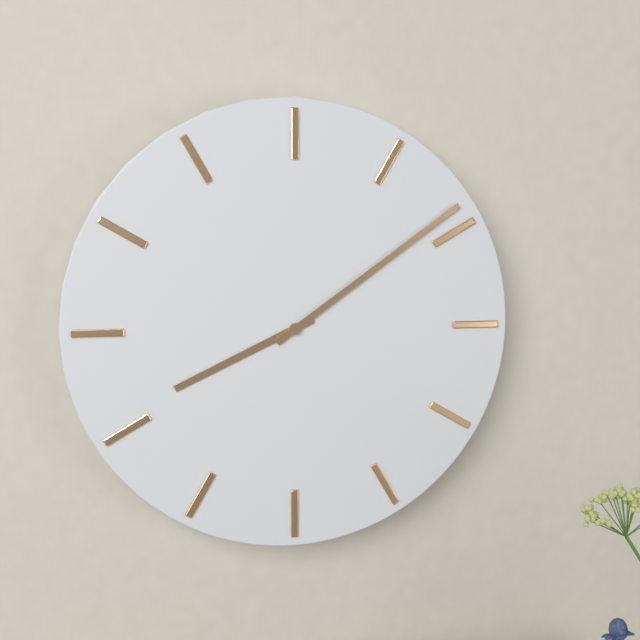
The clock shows h=8 m=9
